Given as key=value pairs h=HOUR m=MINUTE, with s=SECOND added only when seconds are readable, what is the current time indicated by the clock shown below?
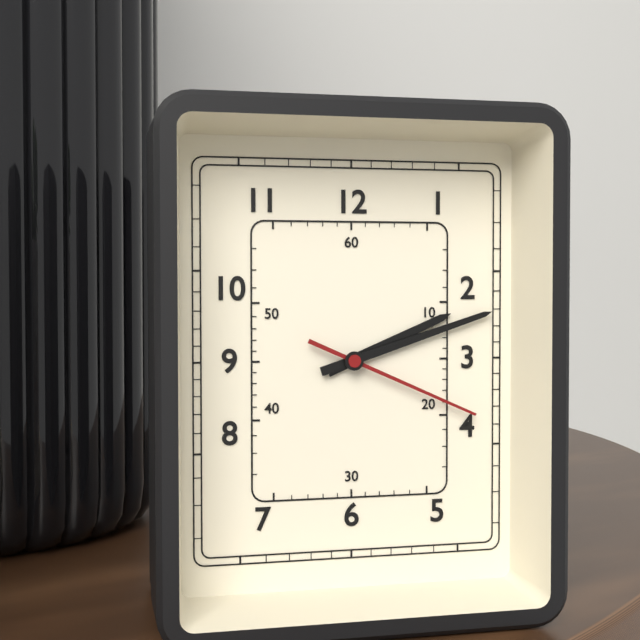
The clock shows h=2 m=12 s=19
